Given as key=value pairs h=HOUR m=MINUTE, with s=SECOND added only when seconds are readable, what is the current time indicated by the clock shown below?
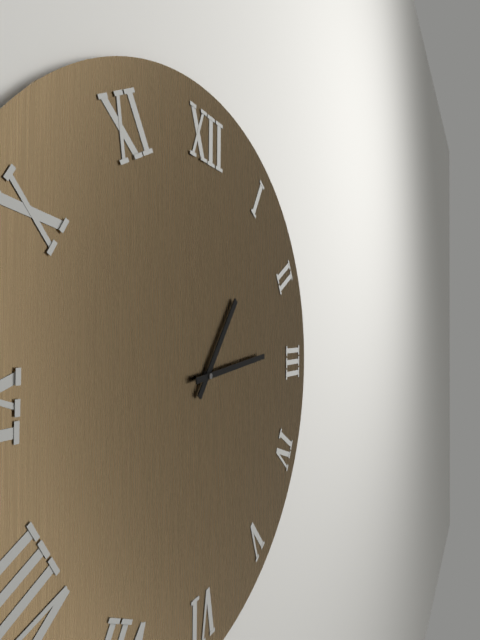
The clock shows h=1 m=14
